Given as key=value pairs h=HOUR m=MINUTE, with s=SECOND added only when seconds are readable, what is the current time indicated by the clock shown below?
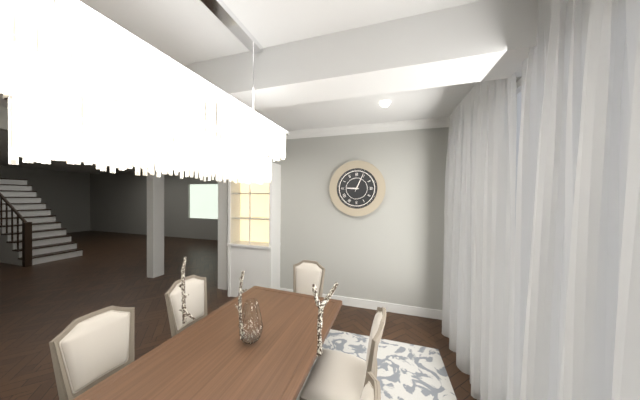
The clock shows h=9 m=4
